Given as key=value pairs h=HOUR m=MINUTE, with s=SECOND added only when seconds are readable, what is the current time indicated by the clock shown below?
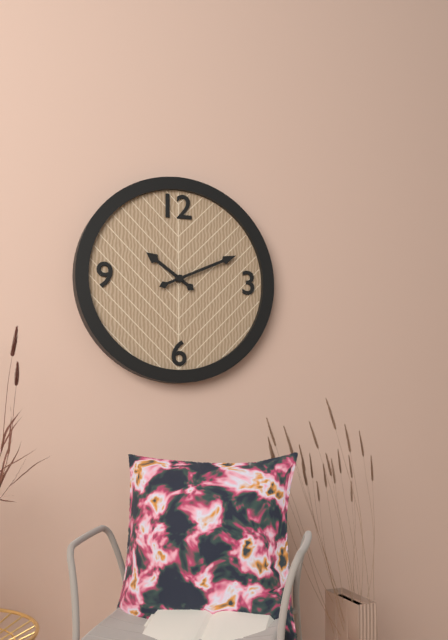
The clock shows h=10 m=11
